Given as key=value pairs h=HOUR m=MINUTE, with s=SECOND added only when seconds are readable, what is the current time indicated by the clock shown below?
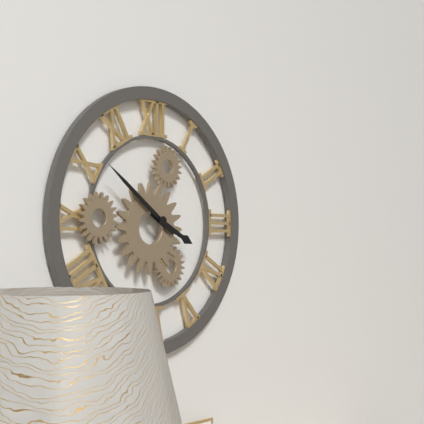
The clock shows h=3 m=51
